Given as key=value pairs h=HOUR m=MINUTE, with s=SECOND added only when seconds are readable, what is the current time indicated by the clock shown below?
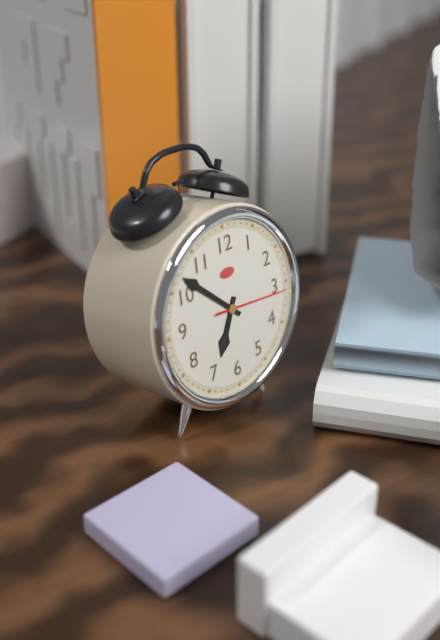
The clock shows h=6 m=52 s=16
